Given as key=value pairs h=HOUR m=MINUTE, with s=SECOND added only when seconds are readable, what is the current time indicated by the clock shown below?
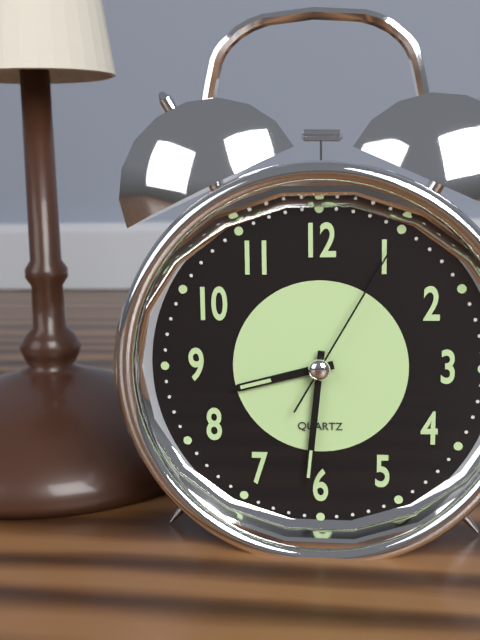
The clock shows h=8 m=31 s=5
